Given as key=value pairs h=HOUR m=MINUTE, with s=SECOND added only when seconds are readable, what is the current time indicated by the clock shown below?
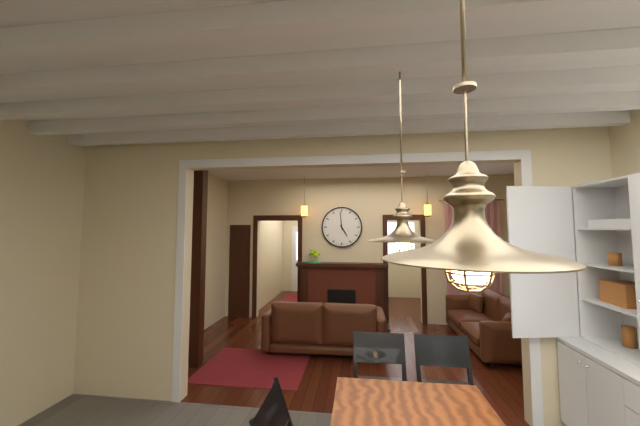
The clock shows h=4 m=59
